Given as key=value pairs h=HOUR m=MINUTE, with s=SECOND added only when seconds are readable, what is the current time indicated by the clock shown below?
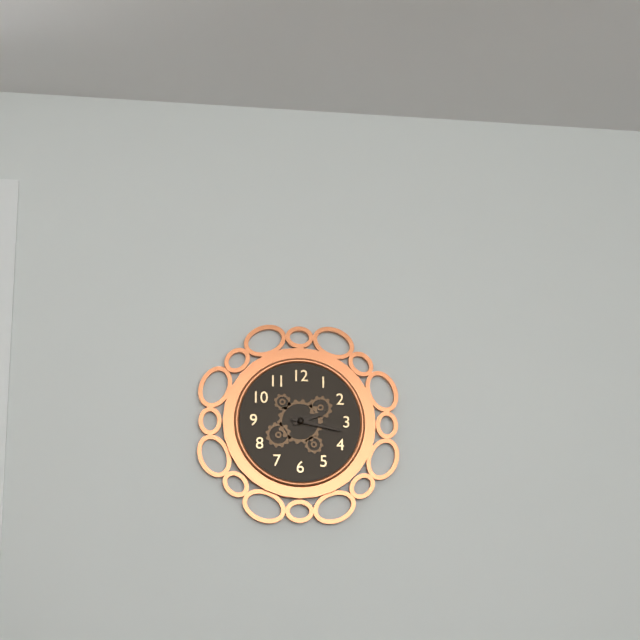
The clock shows h=2 m=17
